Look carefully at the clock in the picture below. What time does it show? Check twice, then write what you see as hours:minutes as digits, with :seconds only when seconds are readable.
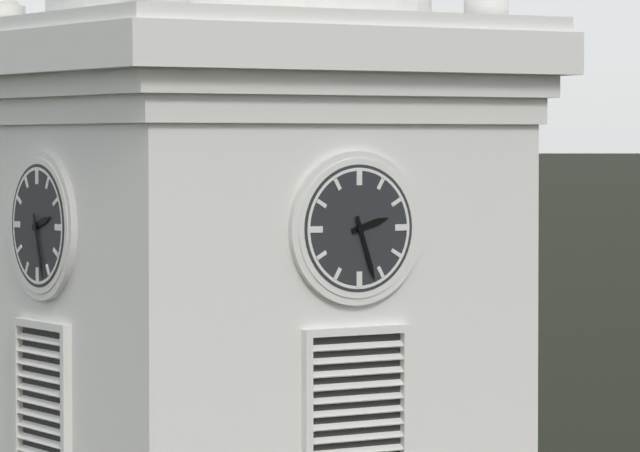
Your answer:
2:27
